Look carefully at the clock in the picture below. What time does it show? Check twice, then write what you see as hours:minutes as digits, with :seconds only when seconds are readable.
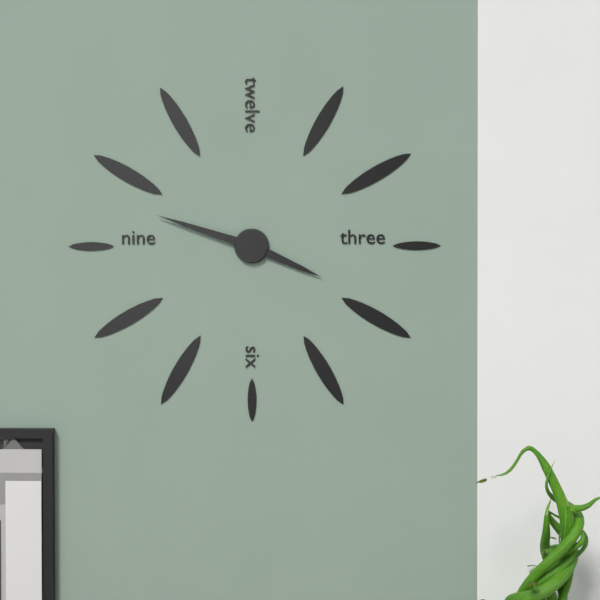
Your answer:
3:48
